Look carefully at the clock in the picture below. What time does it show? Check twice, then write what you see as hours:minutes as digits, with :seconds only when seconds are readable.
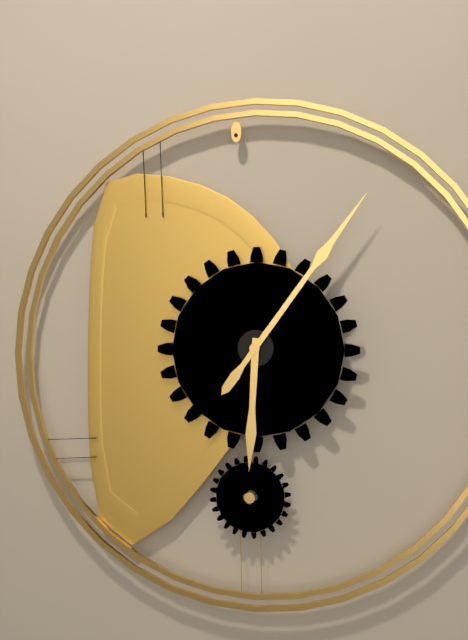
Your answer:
6:06
